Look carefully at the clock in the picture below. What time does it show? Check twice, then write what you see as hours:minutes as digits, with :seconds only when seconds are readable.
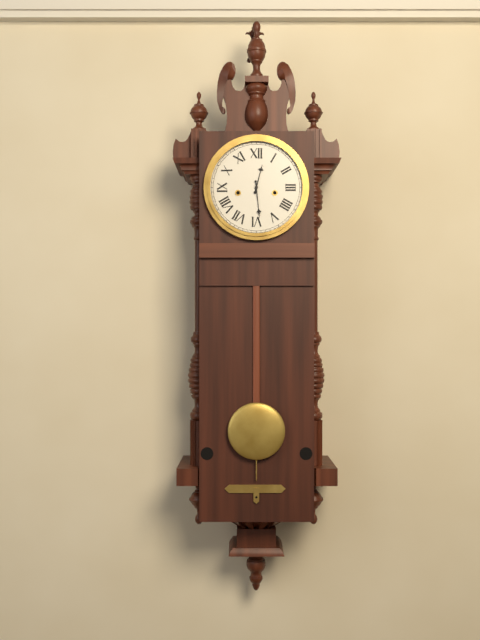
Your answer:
12:29
